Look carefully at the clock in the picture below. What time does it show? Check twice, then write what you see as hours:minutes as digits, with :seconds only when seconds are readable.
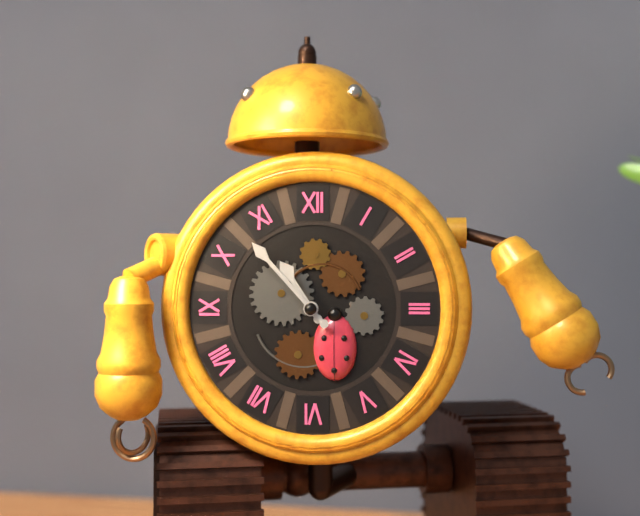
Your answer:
10:53
